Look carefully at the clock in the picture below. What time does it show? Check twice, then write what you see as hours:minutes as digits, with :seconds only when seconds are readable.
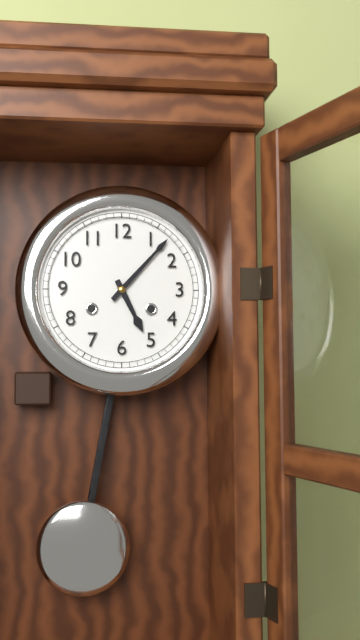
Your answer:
5:07
